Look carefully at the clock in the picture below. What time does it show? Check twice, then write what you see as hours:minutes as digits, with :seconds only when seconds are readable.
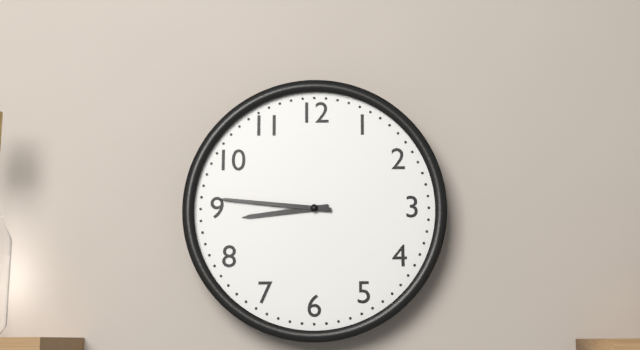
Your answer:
8:46
